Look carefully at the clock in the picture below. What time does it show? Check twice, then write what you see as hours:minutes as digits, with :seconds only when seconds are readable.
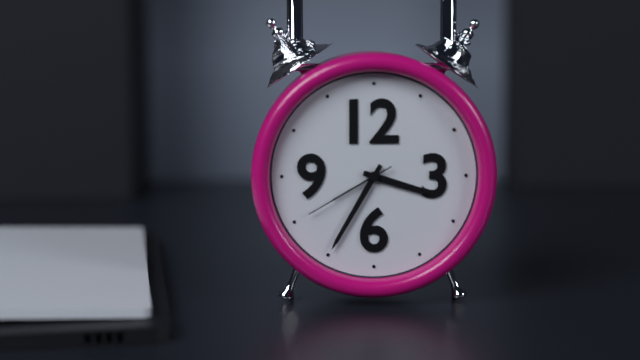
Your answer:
3:35:40
